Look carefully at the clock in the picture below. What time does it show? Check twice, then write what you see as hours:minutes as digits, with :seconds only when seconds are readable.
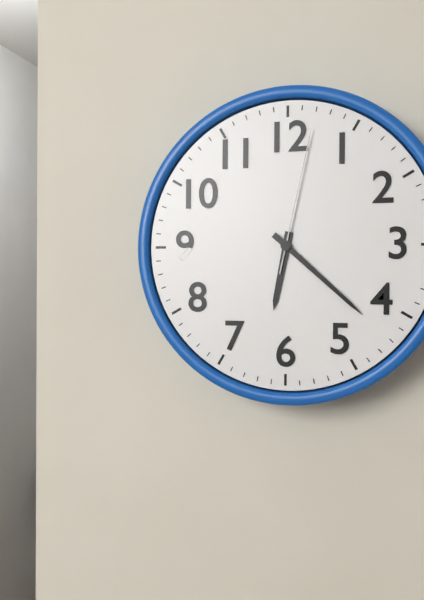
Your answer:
6:22:02
